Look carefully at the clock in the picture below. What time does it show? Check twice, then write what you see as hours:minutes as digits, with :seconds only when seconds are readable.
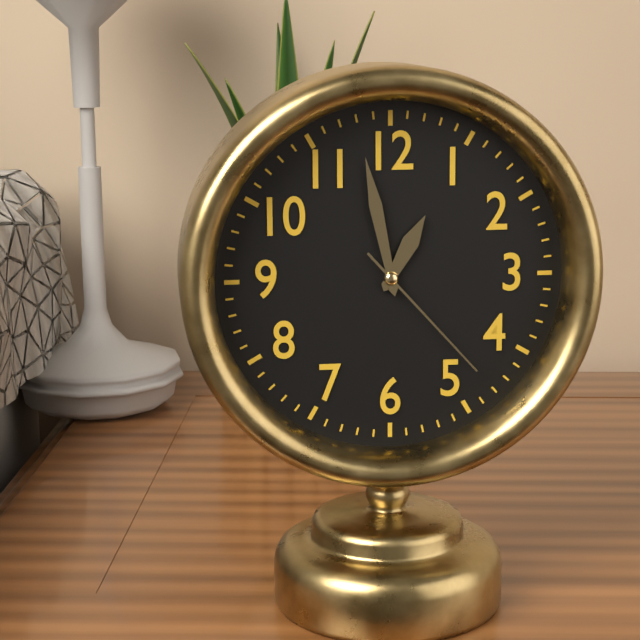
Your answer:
12:58:23
